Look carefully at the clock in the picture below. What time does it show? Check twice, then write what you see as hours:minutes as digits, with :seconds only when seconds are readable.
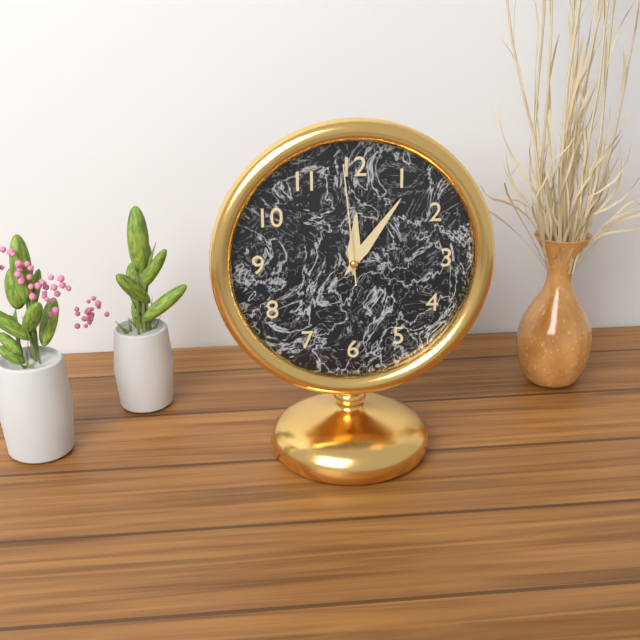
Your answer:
12:06:59
